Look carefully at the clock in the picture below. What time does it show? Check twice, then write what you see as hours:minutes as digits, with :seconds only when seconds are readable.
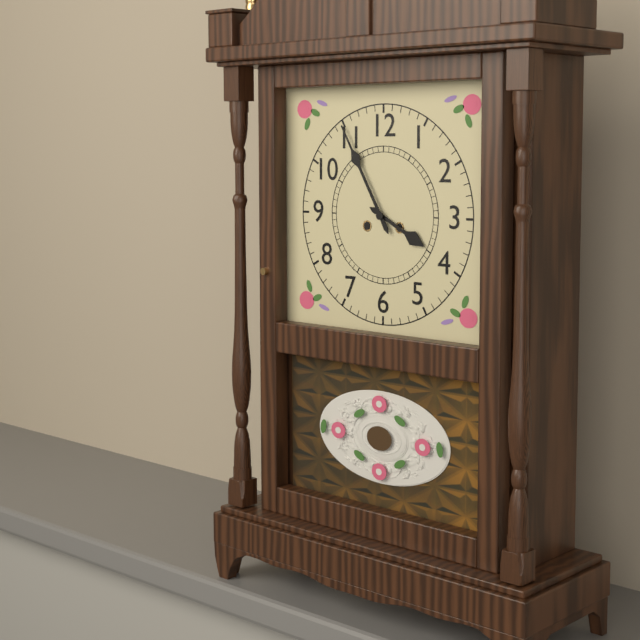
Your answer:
3:55
